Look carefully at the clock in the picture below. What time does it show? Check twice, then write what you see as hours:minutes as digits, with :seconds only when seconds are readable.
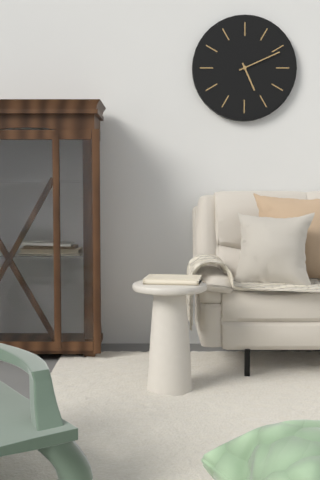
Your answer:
5:11
